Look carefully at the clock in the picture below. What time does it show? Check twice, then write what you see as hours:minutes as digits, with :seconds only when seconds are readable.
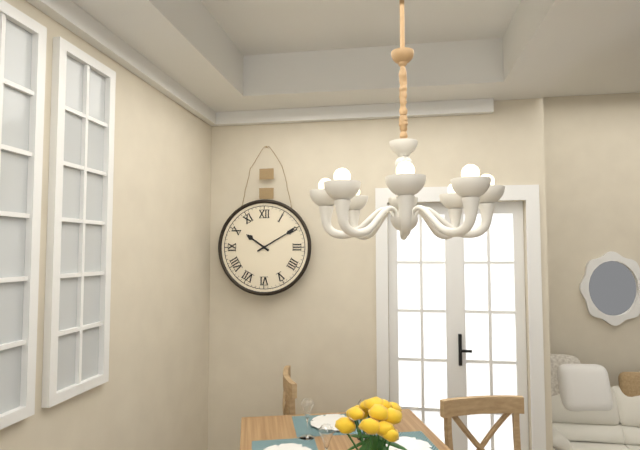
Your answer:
10:10
